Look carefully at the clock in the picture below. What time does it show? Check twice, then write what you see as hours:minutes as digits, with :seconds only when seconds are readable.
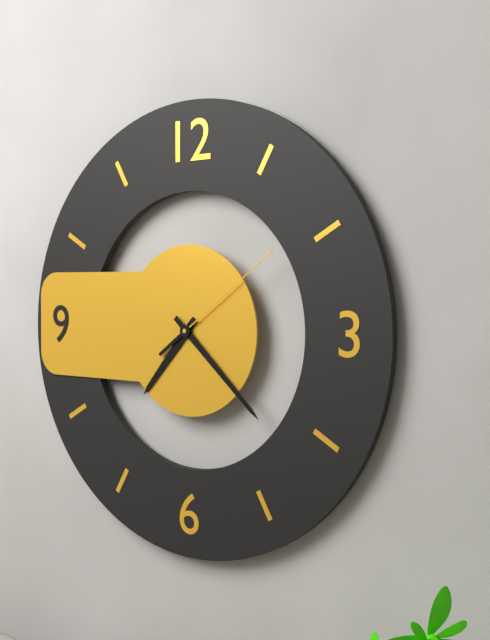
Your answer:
7:22:09
